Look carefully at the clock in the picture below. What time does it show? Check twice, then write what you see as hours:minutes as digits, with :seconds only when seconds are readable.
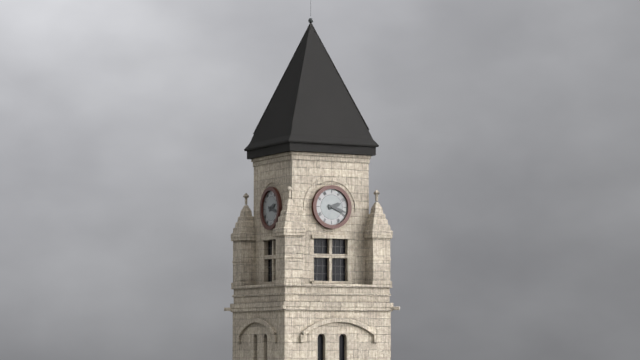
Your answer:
2:18
